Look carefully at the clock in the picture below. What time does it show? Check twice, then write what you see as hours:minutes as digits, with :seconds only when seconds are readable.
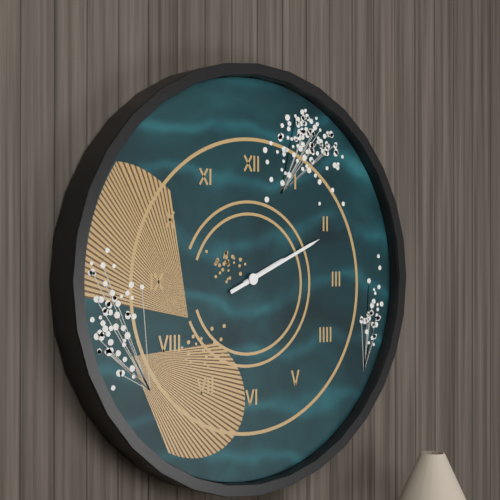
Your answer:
2:11
